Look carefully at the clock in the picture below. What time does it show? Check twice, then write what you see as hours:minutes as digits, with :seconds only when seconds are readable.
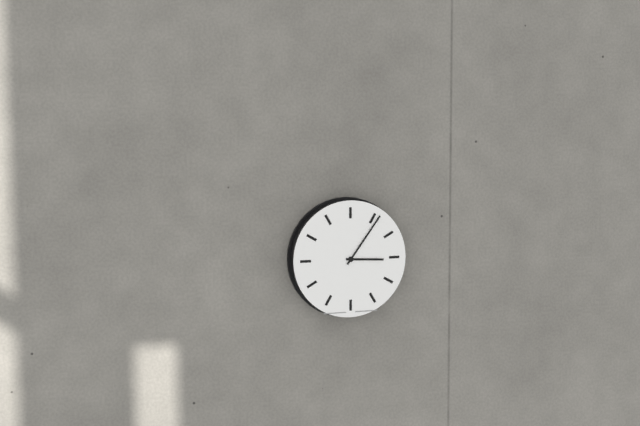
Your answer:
3:06
